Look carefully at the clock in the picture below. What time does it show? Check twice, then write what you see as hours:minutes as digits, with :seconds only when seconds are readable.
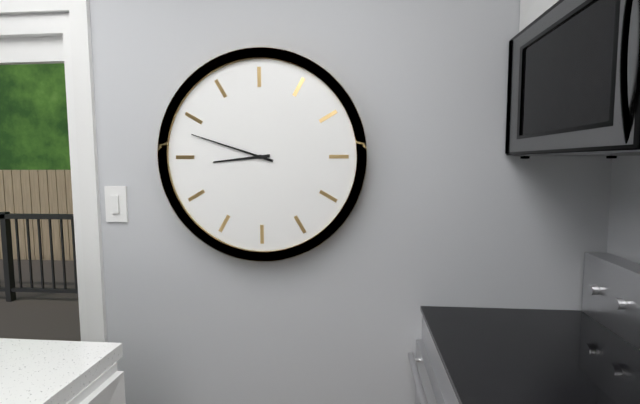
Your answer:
8:48
